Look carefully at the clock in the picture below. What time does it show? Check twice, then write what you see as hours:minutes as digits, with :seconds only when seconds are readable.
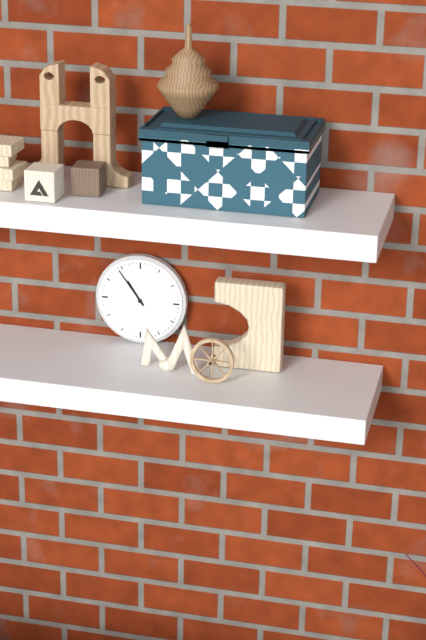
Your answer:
10:54
